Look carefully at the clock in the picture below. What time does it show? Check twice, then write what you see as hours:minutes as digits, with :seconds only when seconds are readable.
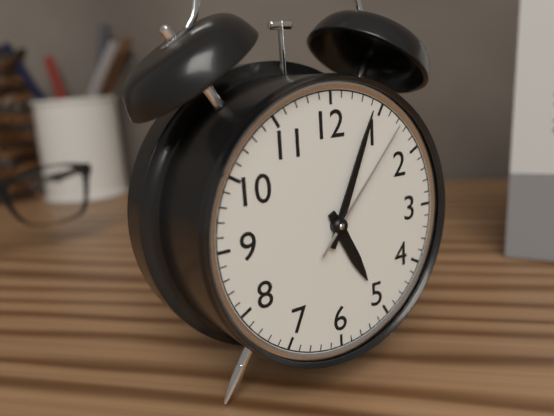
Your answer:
5:04:07
